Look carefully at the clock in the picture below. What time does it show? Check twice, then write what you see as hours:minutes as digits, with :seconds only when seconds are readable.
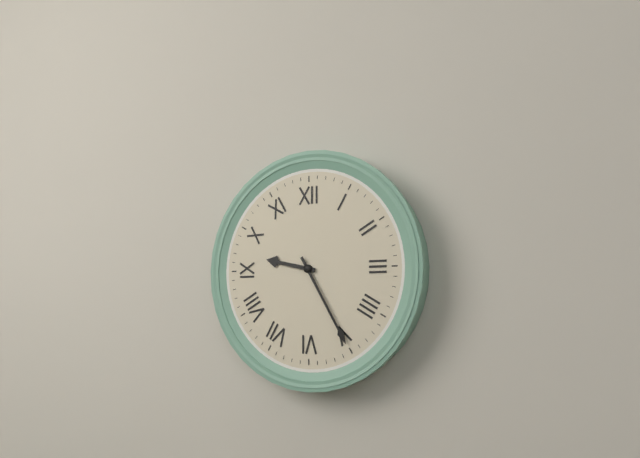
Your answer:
9:25
